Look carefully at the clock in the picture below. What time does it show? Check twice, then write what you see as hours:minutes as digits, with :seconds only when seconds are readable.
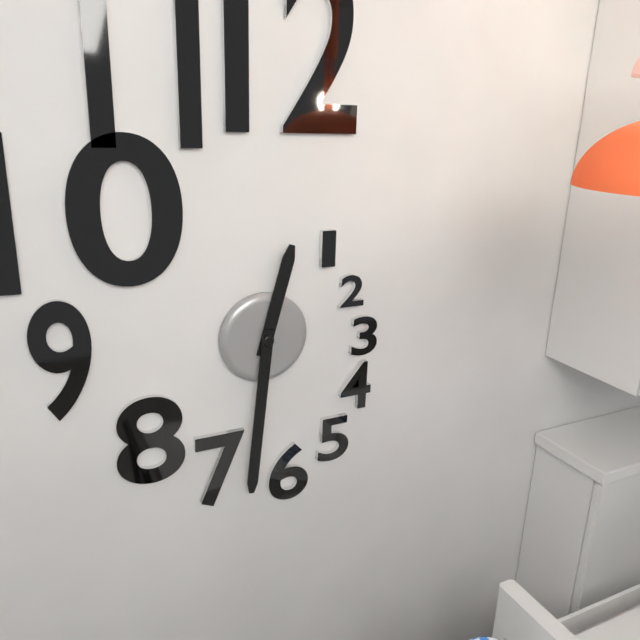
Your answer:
12:31
